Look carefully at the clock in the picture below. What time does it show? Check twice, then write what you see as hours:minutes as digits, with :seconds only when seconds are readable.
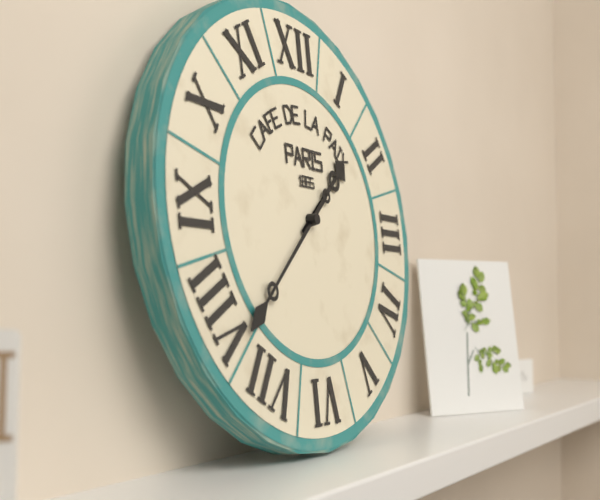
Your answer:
1:38
